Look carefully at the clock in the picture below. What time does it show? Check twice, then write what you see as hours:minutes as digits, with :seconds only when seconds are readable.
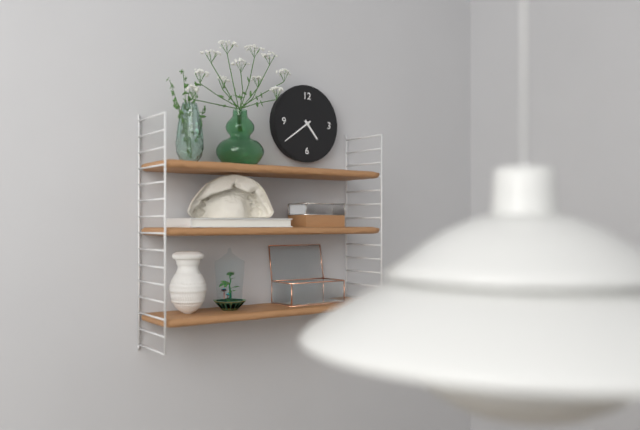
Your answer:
4:39
